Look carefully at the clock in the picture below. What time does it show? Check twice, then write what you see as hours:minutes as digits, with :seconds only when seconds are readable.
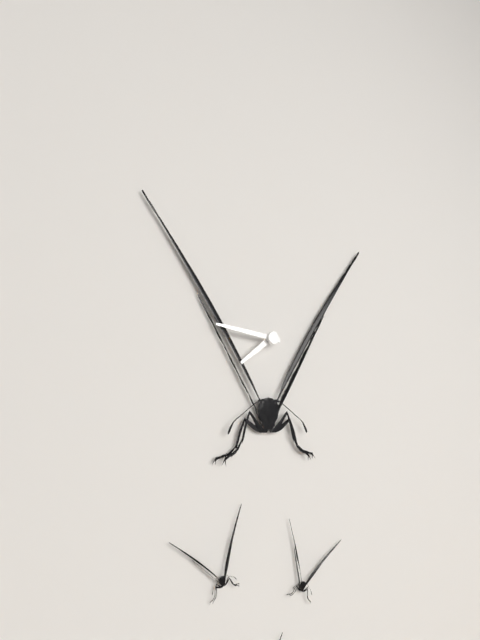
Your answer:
7:46
